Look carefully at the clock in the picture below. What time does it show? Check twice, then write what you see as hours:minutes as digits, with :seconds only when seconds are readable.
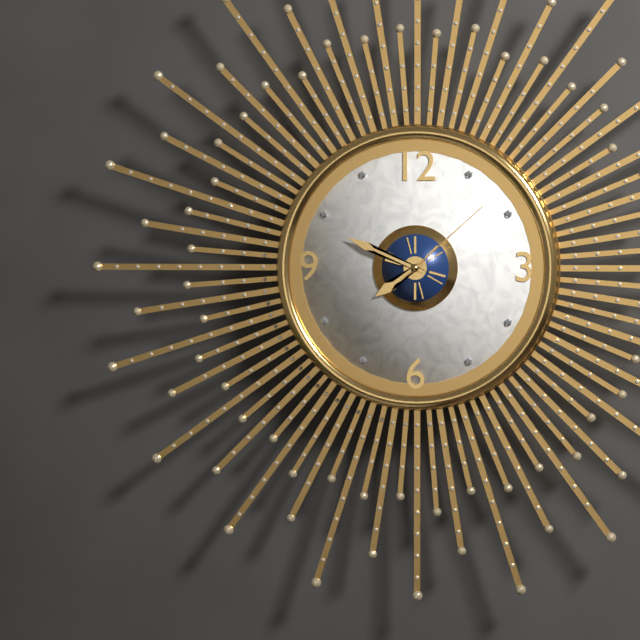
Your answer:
7:49:08
